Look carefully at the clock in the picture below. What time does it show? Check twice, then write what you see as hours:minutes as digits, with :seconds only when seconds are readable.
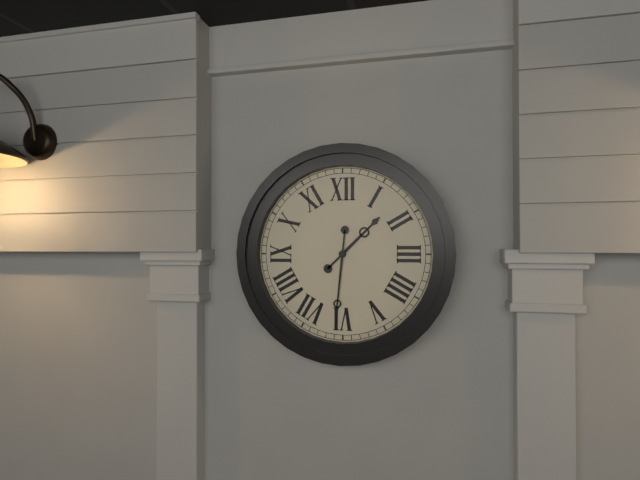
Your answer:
1:31
